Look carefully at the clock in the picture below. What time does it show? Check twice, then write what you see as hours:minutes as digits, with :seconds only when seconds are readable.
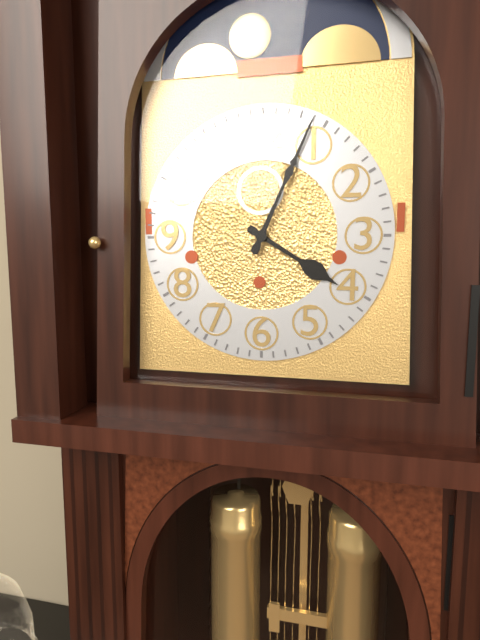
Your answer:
4:04
